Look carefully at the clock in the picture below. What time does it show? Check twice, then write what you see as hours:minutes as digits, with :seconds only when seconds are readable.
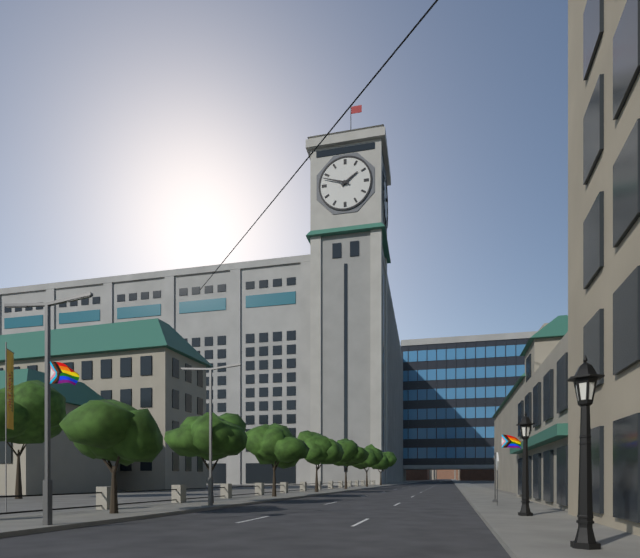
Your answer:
1:48
